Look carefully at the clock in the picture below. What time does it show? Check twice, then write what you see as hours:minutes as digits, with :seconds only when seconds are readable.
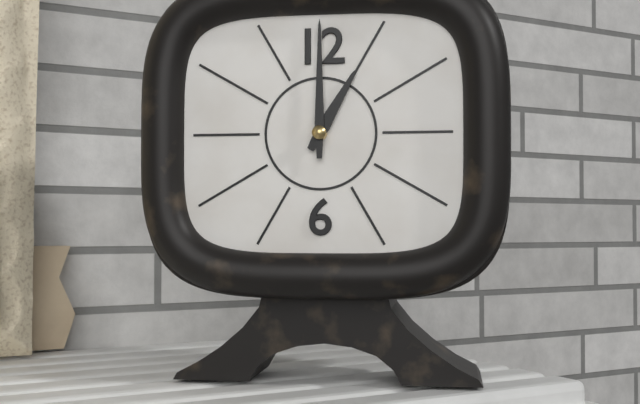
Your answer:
1:00
